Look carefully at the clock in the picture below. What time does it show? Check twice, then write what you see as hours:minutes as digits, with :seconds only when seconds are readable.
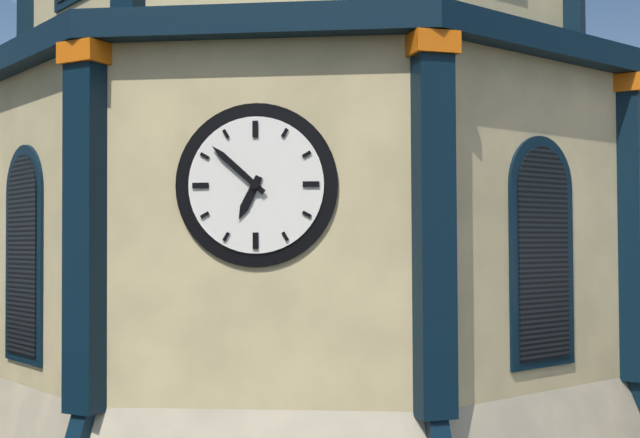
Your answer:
6:52
